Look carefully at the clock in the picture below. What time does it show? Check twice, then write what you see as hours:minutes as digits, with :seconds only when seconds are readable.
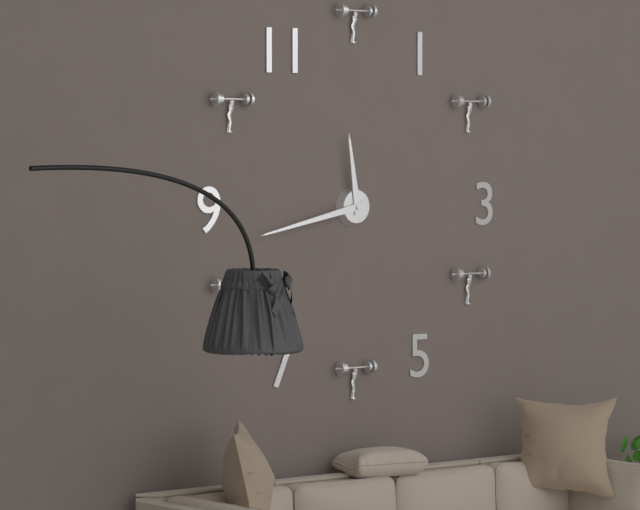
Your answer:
11:43
